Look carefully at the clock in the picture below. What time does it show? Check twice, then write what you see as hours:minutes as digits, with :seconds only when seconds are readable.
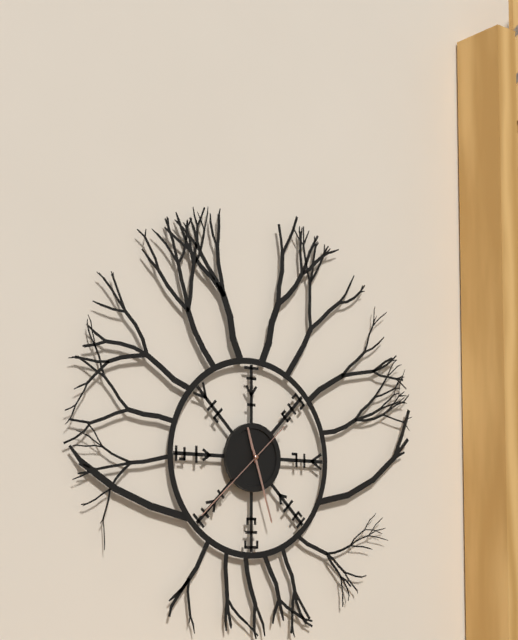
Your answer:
11:27:38
